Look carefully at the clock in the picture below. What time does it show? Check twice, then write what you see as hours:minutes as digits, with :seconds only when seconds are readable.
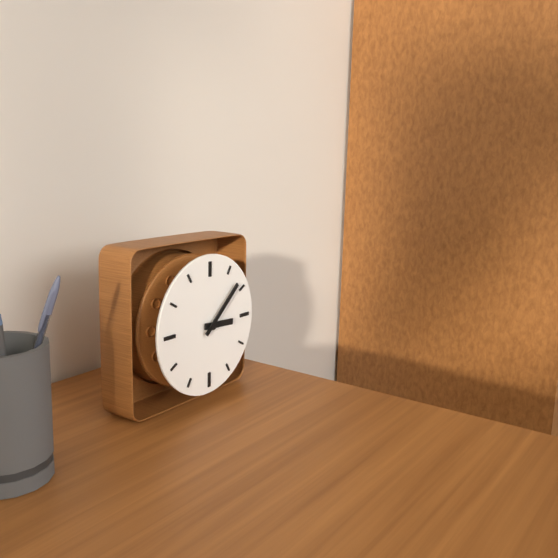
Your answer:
3:08
